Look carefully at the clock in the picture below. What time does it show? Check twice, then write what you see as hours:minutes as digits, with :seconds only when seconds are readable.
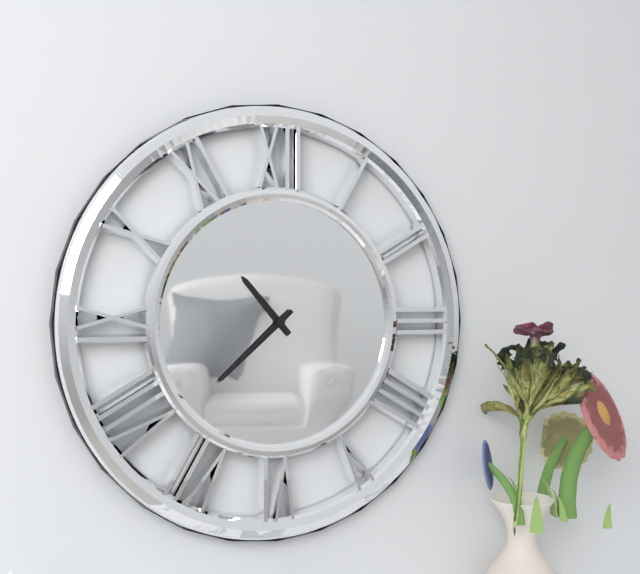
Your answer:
10:38
